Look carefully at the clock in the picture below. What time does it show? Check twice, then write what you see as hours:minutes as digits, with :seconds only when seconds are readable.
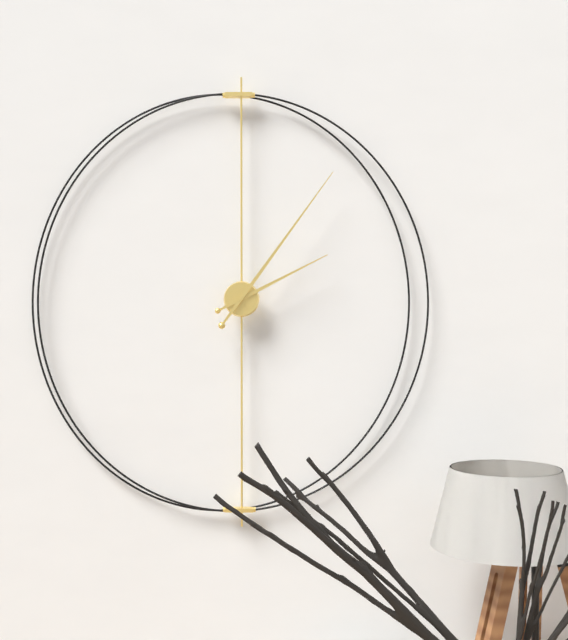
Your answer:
2:06
